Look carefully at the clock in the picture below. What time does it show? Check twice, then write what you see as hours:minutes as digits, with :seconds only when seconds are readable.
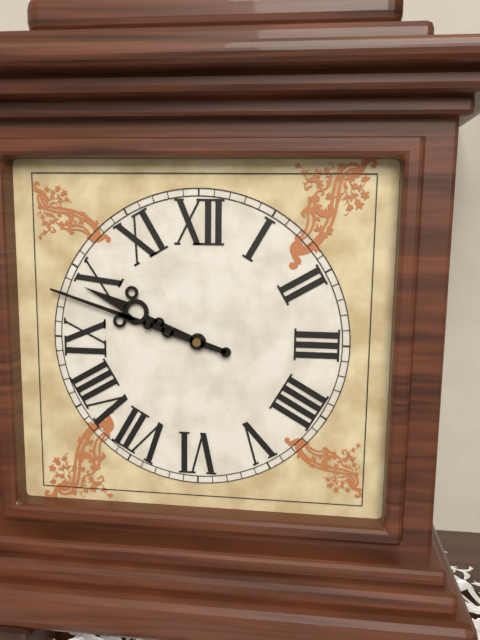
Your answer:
9:48
